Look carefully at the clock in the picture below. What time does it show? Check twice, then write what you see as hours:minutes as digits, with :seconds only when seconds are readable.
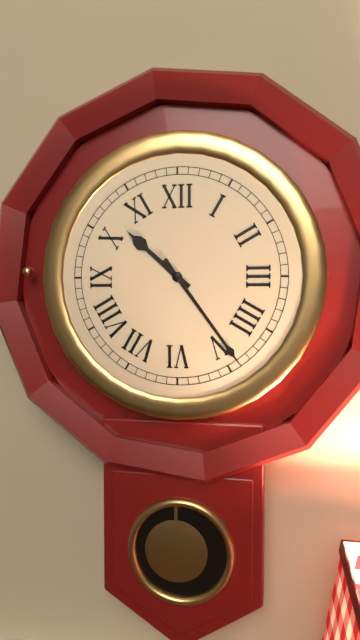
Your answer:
10:24
